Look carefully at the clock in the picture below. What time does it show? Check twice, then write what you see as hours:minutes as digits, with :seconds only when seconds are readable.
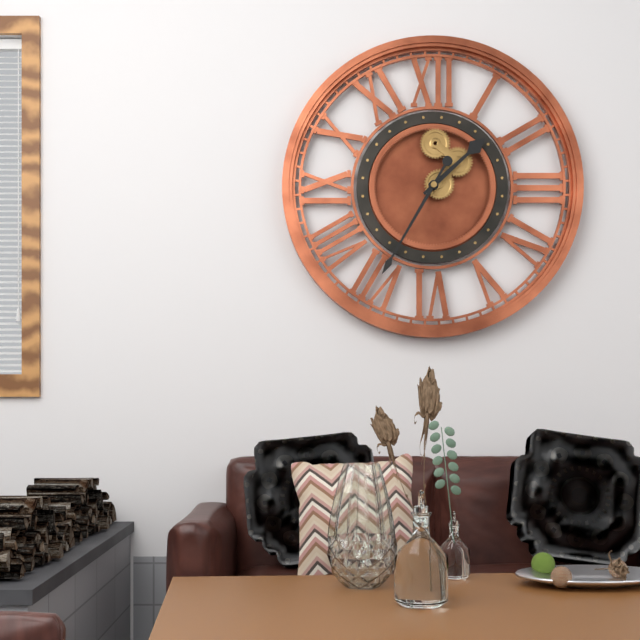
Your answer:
1:35
